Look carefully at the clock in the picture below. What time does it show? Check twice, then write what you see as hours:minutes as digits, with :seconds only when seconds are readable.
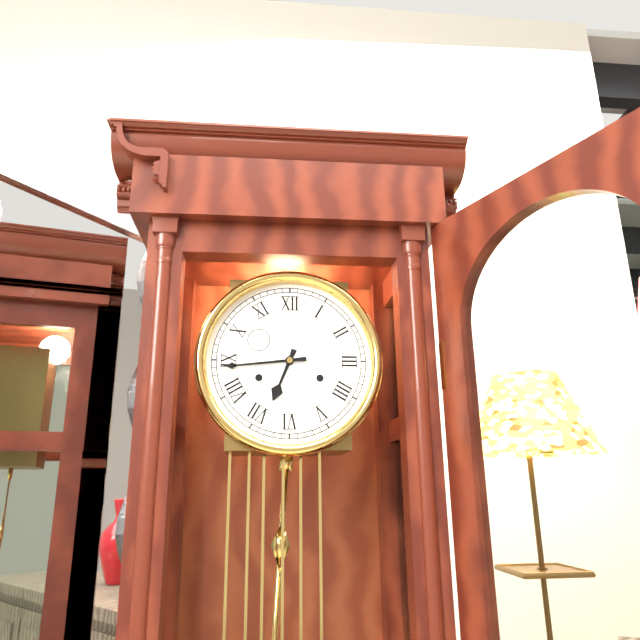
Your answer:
6:44
